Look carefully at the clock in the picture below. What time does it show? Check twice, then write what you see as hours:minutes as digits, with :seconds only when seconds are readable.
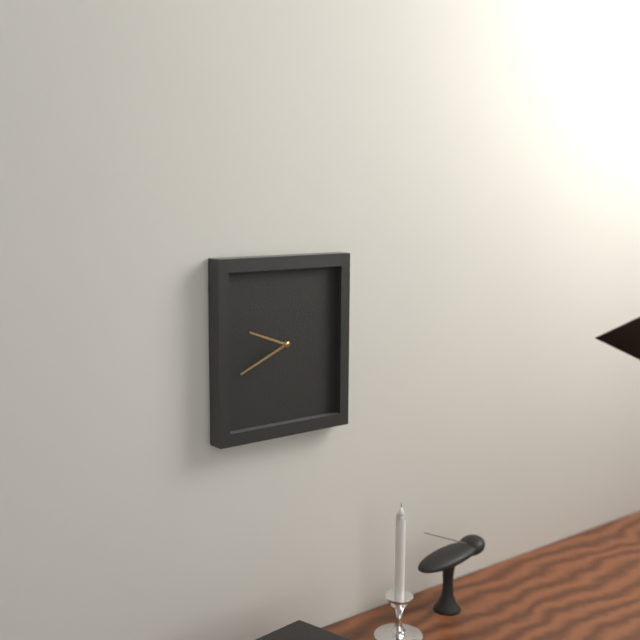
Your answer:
9:41
